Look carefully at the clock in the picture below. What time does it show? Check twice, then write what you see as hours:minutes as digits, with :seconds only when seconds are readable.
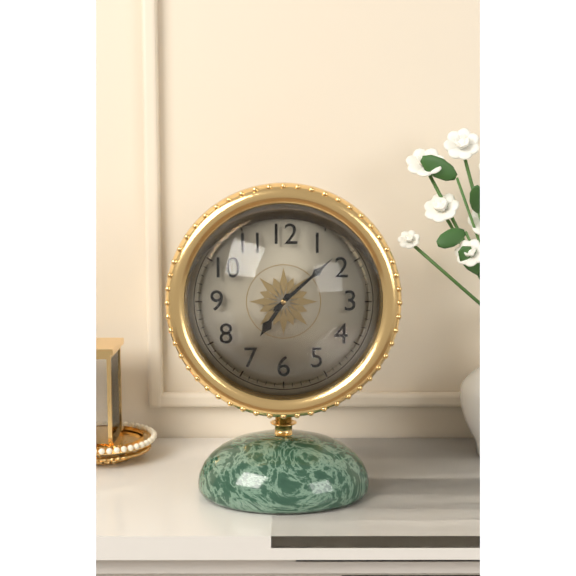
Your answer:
7:08
